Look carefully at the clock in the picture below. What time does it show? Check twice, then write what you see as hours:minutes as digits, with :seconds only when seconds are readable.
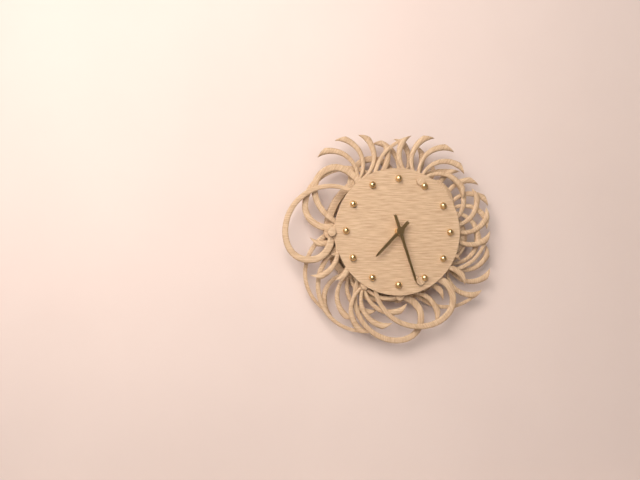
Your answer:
7:27
